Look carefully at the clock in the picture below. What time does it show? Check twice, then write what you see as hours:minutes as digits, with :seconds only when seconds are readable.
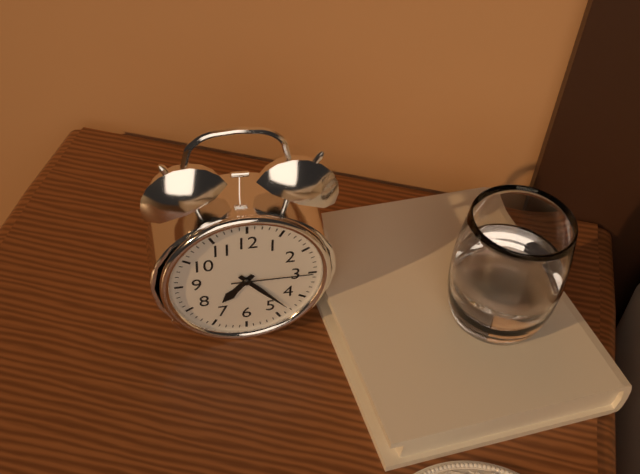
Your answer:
7:23:15
